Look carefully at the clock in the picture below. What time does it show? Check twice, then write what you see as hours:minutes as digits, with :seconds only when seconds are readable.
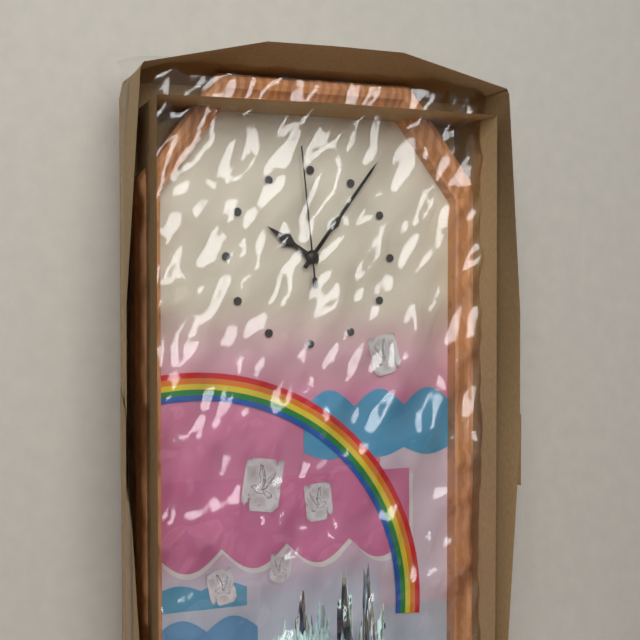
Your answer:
10:06:59
